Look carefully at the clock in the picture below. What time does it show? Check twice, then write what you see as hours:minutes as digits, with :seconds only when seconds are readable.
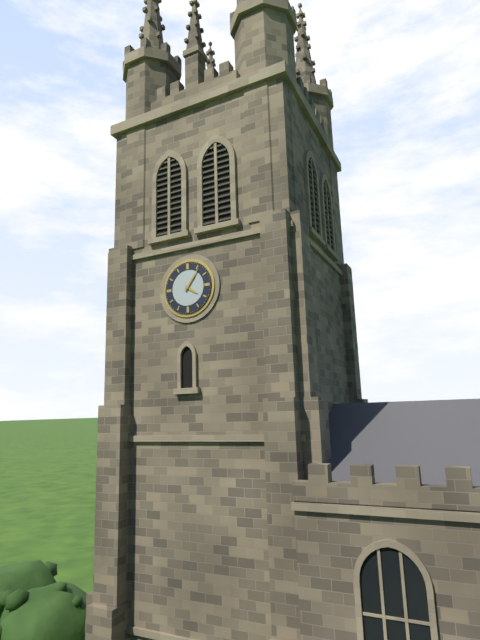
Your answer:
4:06
